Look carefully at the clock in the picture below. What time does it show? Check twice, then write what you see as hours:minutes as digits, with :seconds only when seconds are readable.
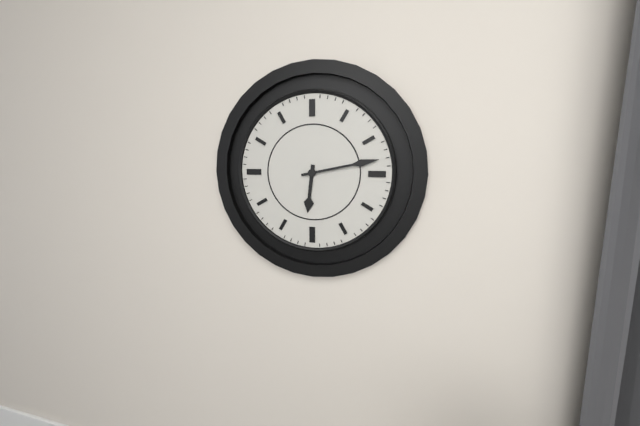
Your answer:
6:13
